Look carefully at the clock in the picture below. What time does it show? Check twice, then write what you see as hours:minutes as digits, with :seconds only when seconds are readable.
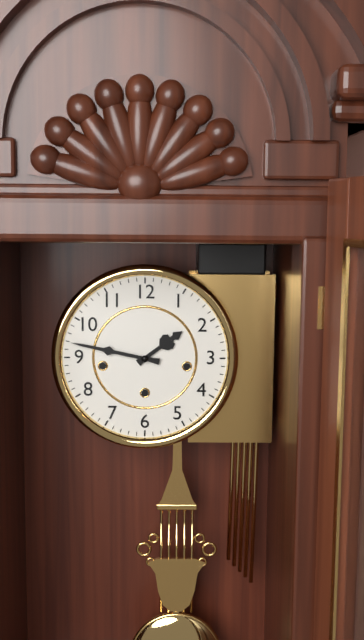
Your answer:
1:47
